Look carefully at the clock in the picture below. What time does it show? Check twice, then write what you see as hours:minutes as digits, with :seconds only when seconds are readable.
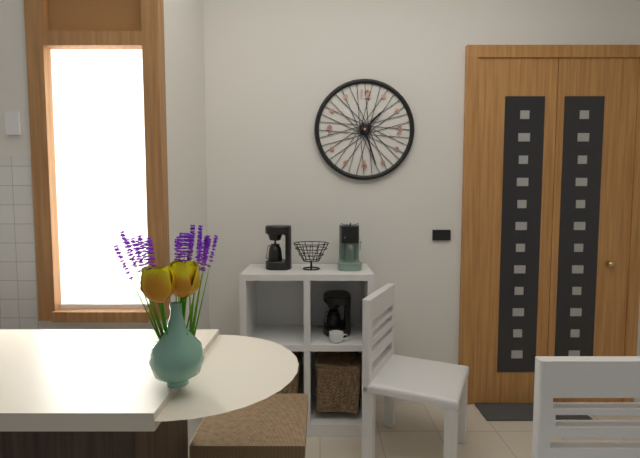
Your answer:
1:27
